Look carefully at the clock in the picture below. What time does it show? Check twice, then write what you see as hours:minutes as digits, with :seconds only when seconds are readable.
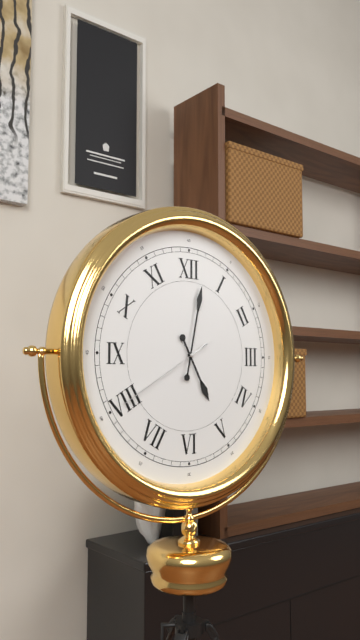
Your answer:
5:02:40
